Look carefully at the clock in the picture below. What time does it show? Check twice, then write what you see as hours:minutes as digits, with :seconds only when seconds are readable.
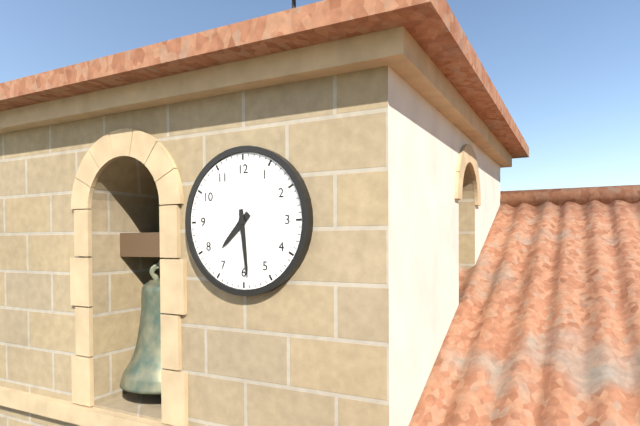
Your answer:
7:29
